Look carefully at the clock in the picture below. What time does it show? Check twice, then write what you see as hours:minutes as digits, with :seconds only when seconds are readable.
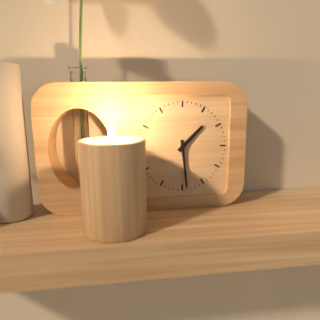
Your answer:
1:29
